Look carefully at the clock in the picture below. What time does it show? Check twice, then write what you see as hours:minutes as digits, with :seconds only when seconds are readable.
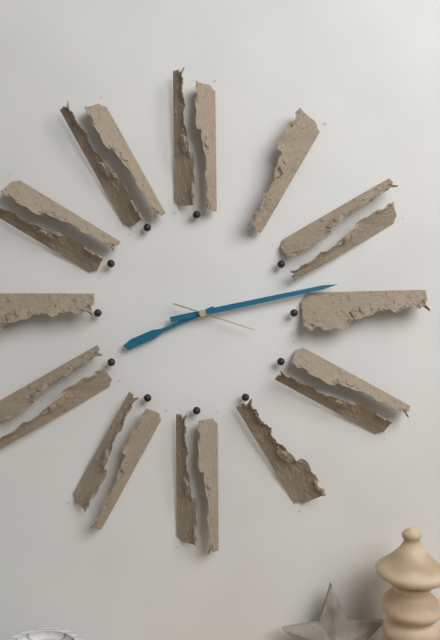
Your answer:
8:13:18
